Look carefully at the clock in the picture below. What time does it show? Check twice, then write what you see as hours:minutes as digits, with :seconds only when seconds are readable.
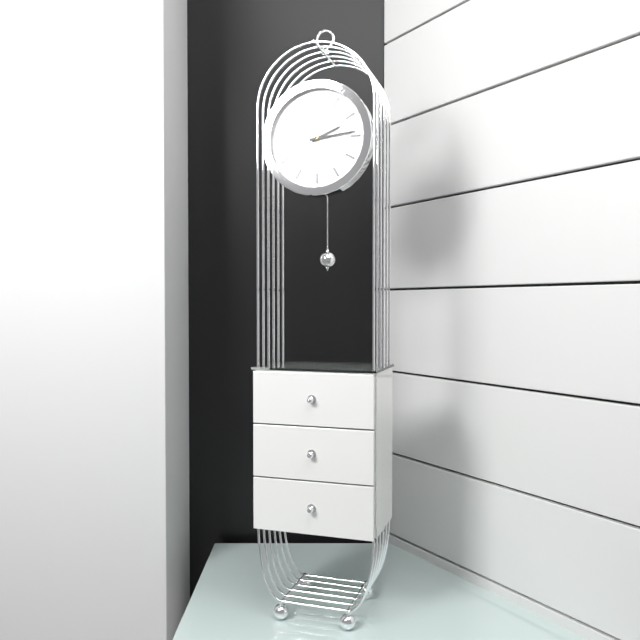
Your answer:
2:14
